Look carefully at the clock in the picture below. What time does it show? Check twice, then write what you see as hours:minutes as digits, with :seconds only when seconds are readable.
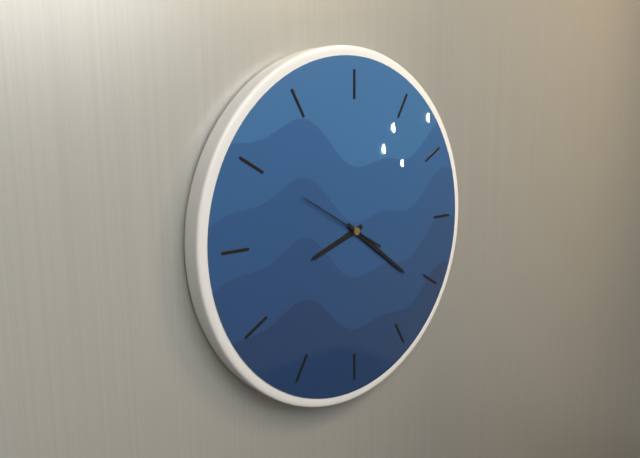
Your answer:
8:21:50
